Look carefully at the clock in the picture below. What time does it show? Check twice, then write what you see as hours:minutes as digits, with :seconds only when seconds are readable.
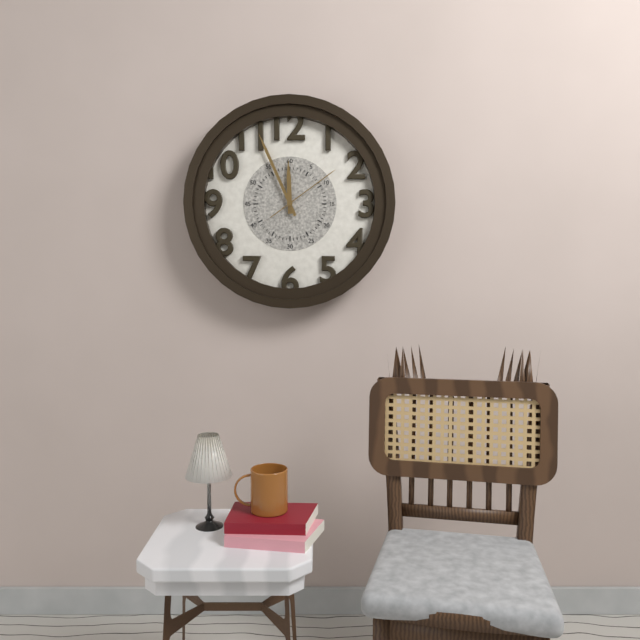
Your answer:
11:56:09
